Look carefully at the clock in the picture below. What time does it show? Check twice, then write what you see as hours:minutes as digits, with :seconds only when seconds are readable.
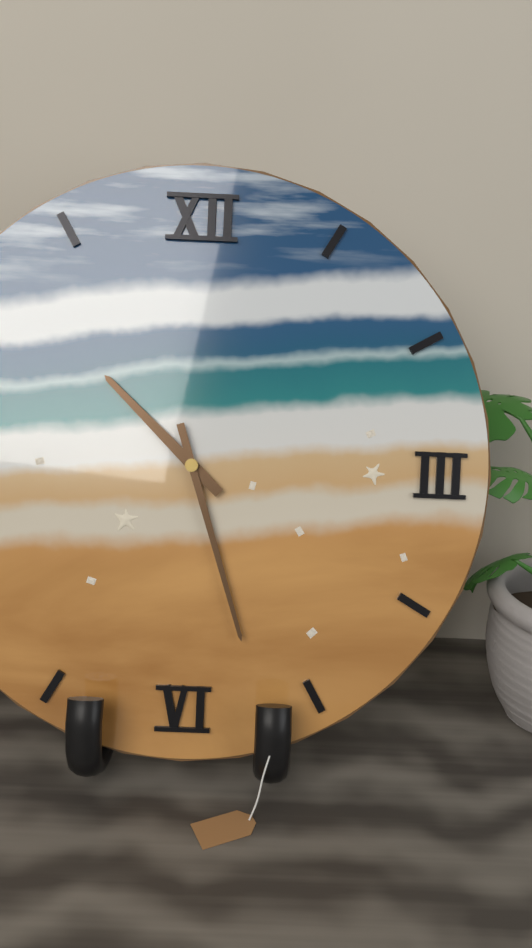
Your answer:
10:27
